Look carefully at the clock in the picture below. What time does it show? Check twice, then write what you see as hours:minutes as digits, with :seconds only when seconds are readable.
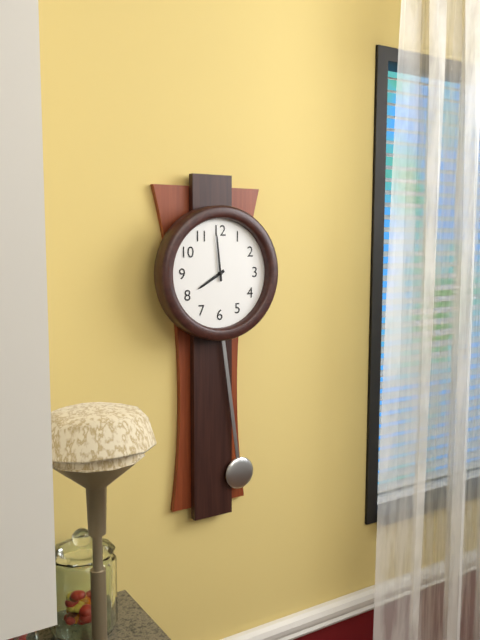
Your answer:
7:59
